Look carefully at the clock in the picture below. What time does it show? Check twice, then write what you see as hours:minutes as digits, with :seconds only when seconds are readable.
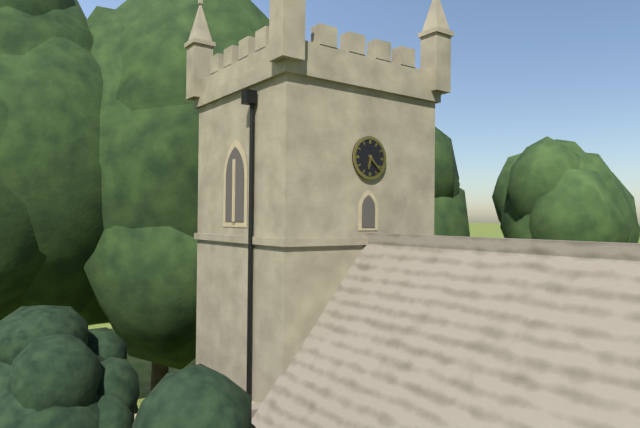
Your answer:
6:22
